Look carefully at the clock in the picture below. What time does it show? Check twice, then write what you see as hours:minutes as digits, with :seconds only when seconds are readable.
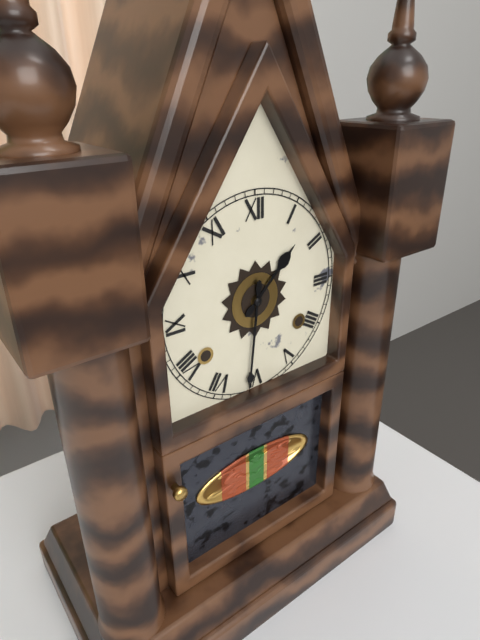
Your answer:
1:31
